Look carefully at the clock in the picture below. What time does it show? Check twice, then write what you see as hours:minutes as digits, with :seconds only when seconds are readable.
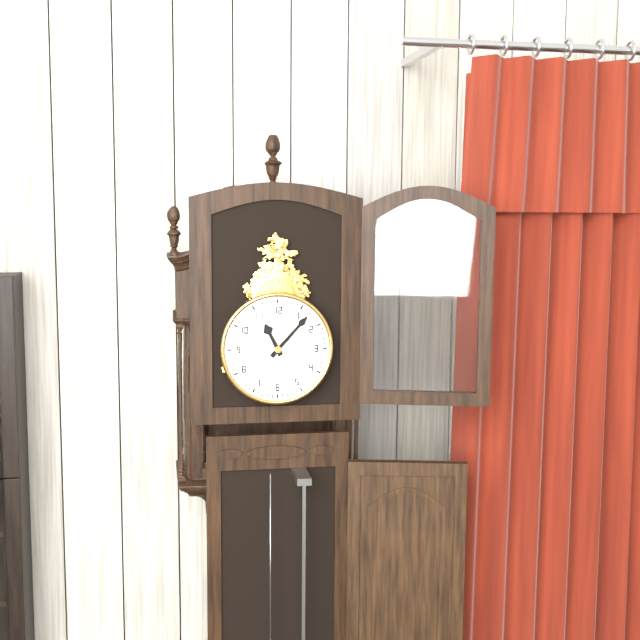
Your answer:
11:07
